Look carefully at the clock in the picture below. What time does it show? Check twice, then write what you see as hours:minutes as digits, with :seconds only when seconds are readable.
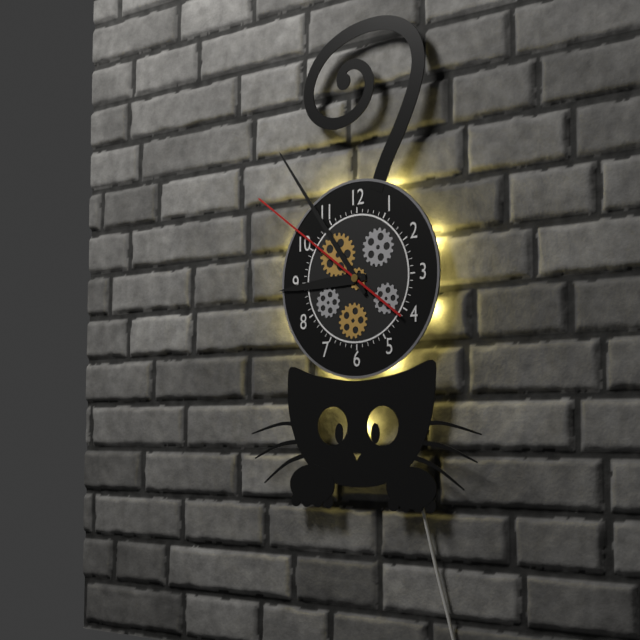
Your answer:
8:54:51
